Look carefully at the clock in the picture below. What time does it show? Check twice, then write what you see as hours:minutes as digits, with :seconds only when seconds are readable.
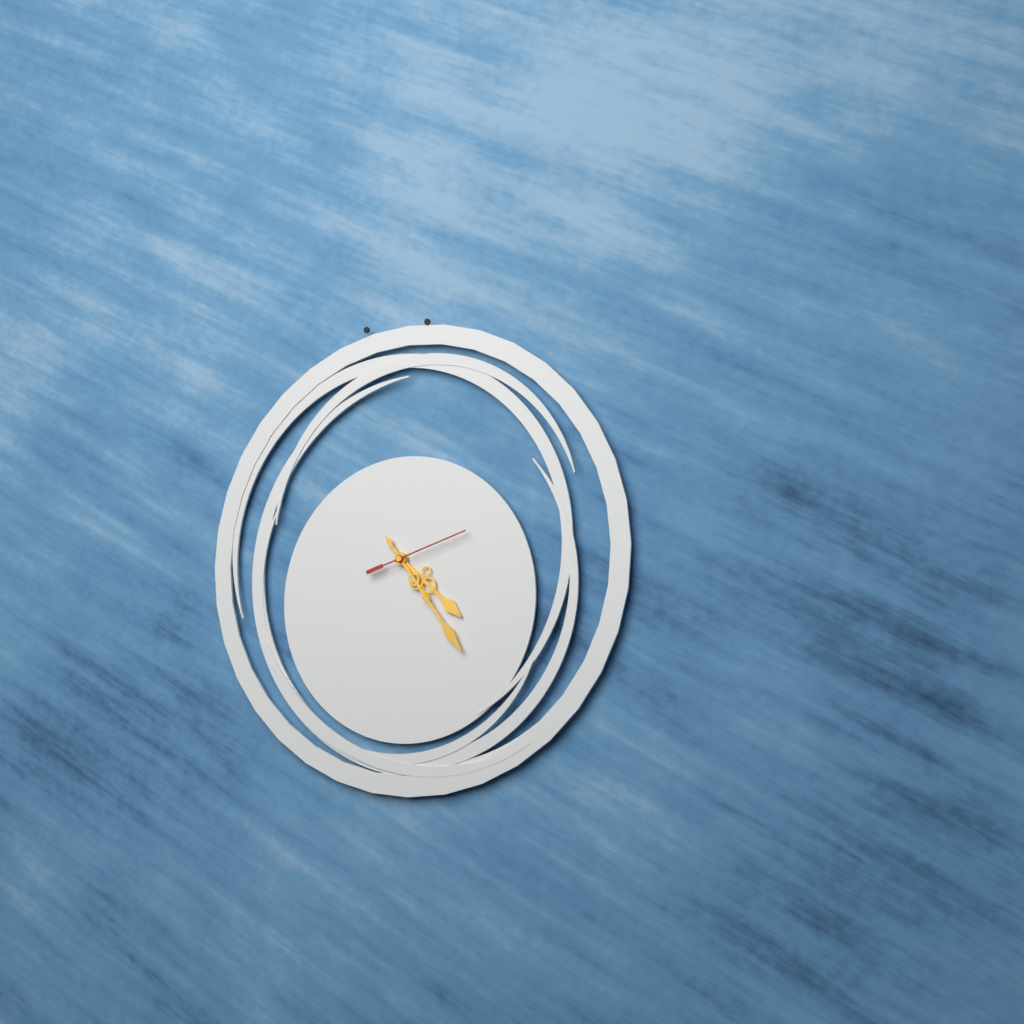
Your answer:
4:24:12
